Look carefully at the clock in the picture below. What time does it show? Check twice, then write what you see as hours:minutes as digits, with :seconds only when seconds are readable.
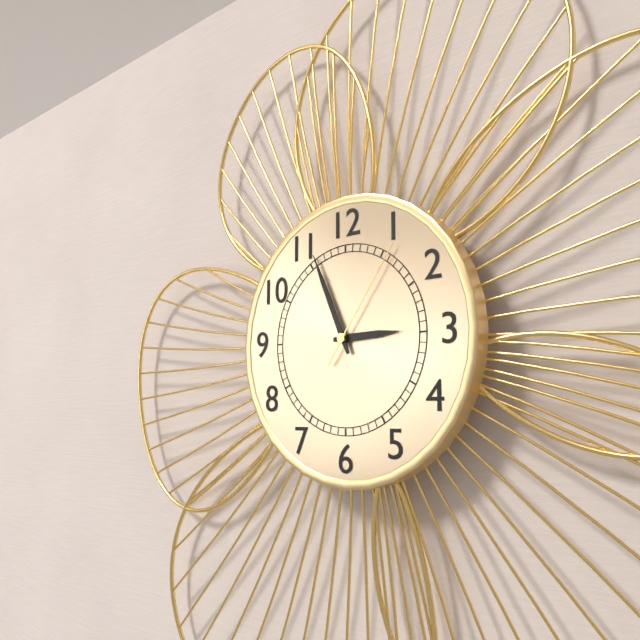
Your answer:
2:56:06
